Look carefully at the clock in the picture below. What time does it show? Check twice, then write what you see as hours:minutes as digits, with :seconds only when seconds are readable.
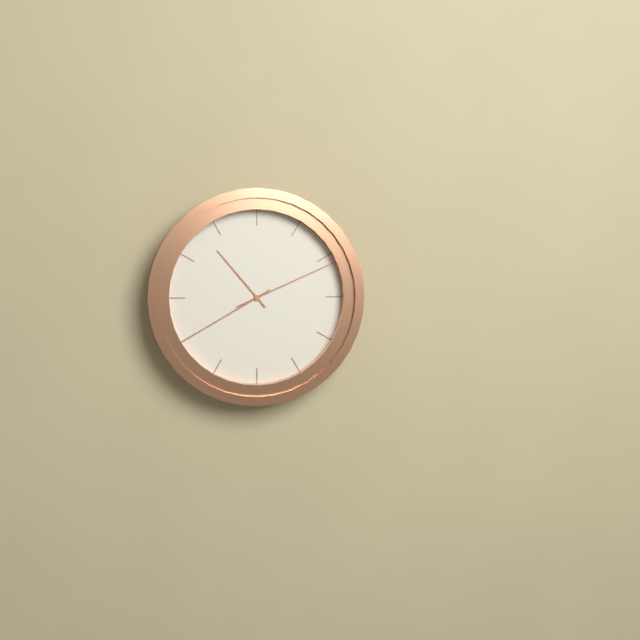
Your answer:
10:40:11
